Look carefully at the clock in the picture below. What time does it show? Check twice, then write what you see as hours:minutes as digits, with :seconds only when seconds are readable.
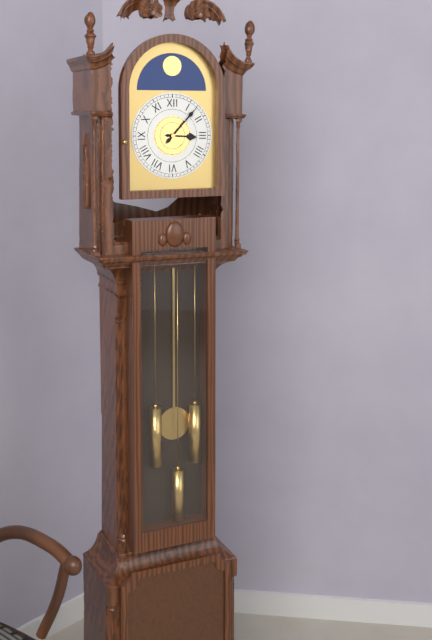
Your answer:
3:07
